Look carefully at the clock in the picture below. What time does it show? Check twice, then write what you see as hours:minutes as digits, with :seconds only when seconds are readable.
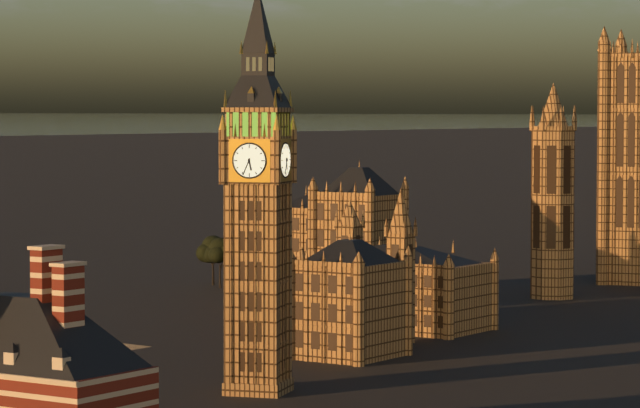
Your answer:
5:34
